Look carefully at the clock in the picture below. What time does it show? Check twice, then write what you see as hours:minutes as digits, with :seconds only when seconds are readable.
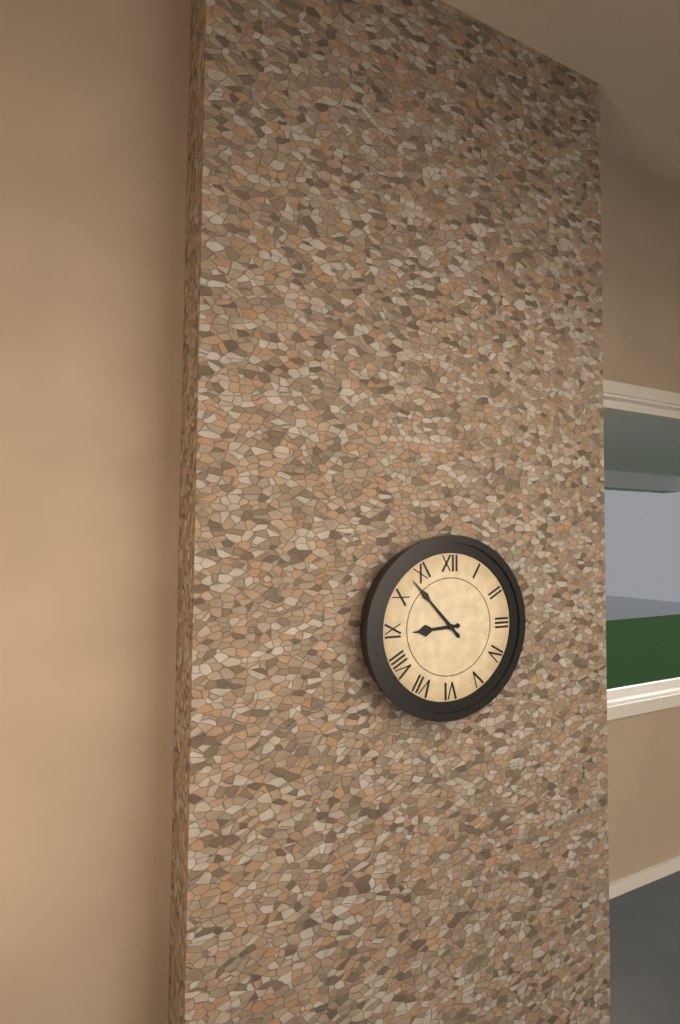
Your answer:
8:53
